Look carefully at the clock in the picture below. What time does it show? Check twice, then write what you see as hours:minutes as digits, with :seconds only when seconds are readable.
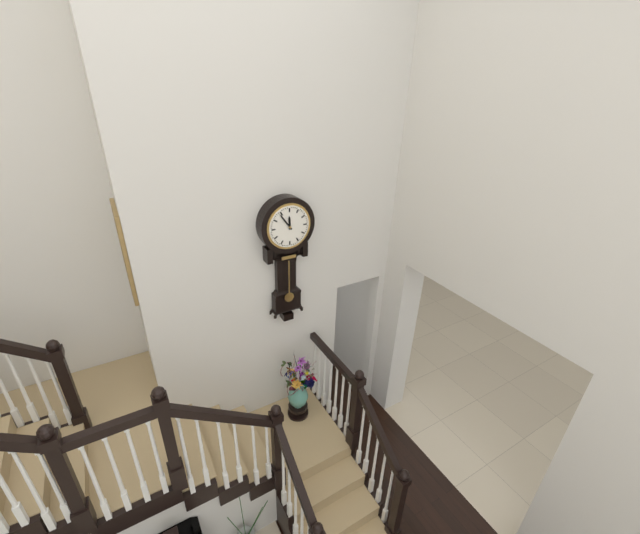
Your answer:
11:54
